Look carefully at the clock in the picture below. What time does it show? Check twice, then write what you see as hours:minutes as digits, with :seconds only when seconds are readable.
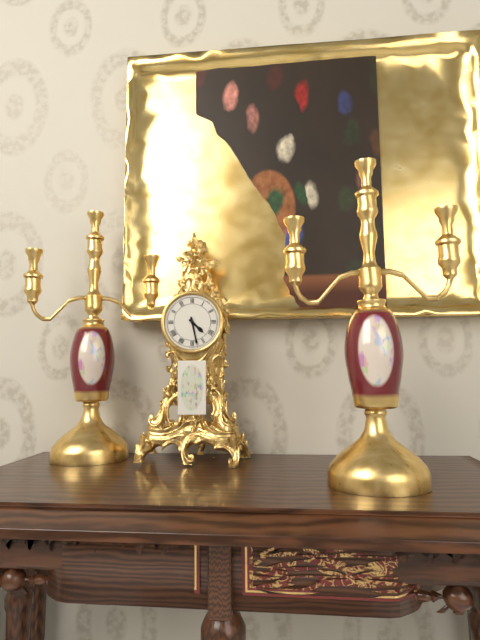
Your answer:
4:28
